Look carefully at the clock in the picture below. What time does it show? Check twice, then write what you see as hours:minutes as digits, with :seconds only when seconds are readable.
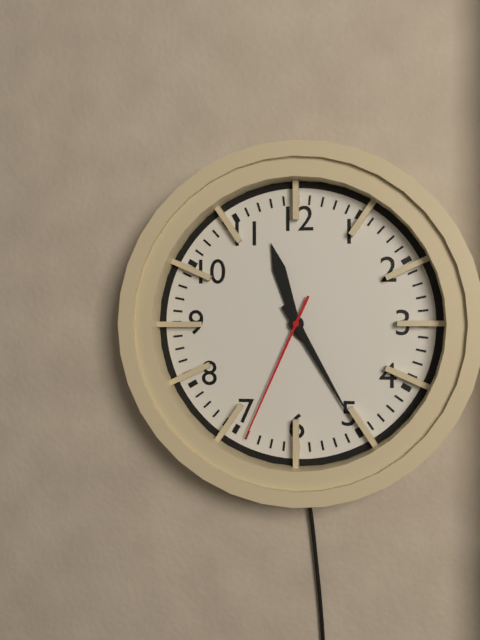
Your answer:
11:25:34
